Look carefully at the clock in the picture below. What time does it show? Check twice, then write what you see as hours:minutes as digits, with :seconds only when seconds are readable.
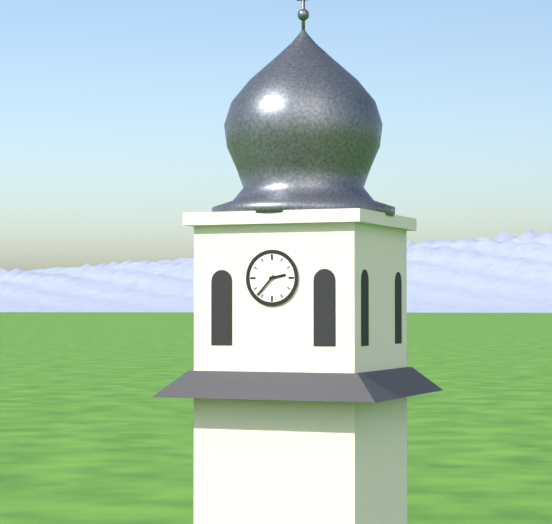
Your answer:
2:37
